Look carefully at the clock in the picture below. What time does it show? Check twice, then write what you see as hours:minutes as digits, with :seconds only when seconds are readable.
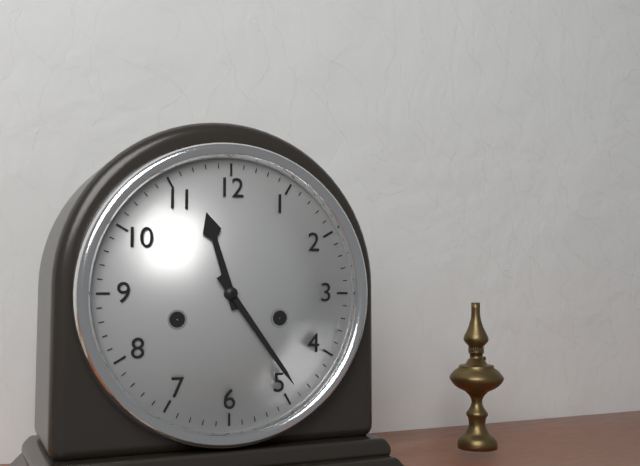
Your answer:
11:24
